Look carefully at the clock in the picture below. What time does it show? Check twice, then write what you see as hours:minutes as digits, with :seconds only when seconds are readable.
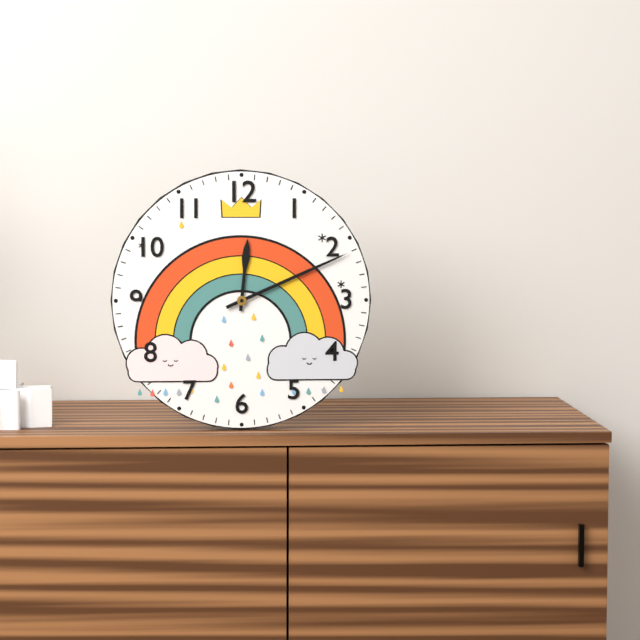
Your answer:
12:11
